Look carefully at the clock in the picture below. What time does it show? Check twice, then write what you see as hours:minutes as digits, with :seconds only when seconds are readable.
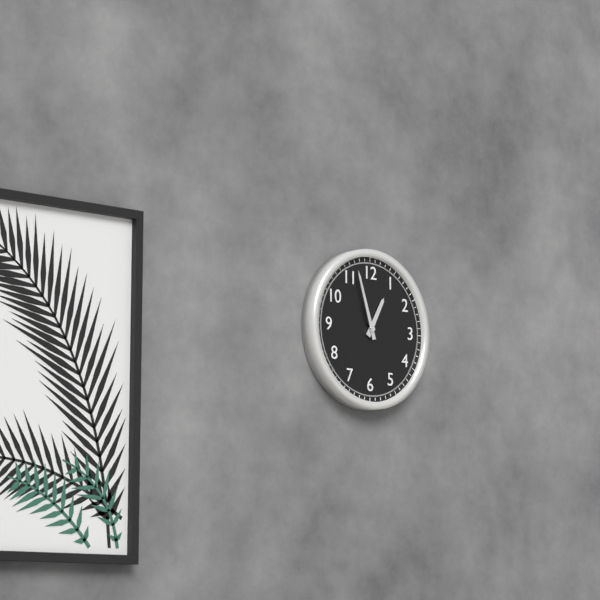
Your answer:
12:57
